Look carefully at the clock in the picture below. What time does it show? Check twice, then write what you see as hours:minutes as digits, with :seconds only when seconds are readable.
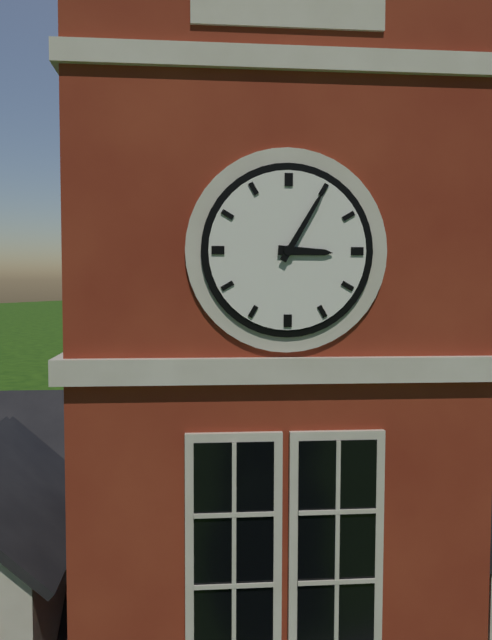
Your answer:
3:05
